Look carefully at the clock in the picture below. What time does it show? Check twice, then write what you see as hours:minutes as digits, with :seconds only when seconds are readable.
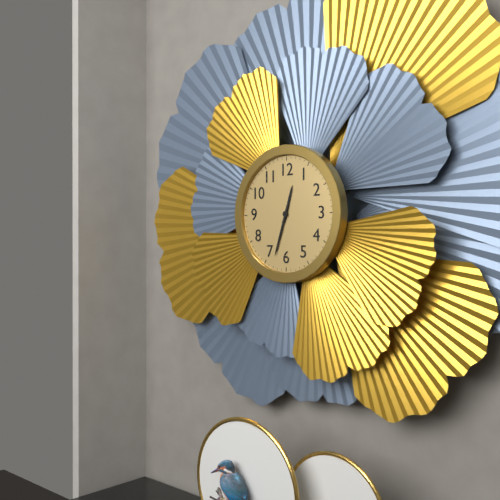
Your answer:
12:33
